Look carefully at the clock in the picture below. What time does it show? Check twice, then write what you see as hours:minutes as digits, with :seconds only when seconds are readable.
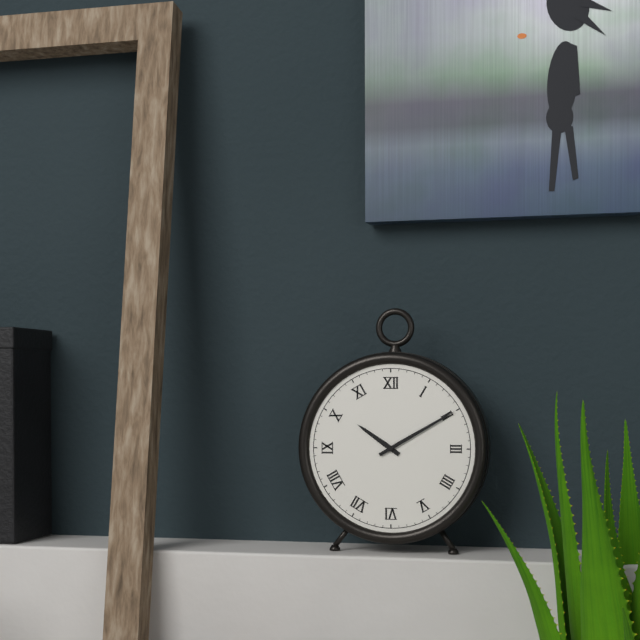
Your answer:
10:10
